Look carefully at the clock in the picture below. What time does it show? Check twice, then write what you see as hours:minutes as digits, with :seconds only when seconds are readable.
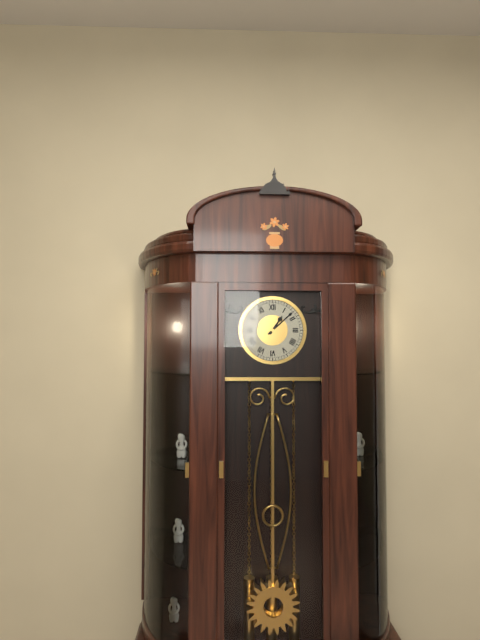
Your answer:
1:08
